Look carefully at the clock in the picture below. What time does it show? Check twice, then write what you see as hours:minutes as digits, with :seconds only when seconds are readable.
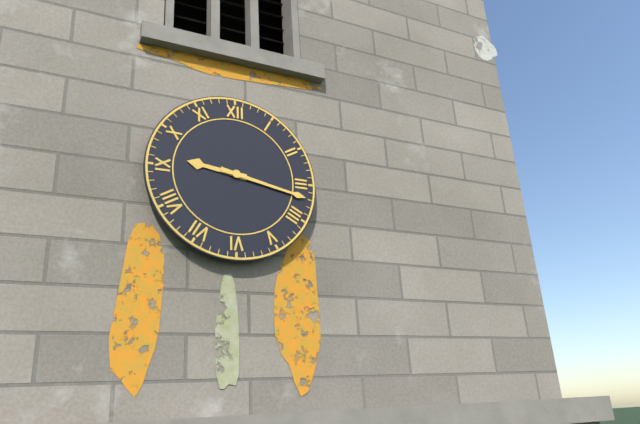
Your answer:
9:17
